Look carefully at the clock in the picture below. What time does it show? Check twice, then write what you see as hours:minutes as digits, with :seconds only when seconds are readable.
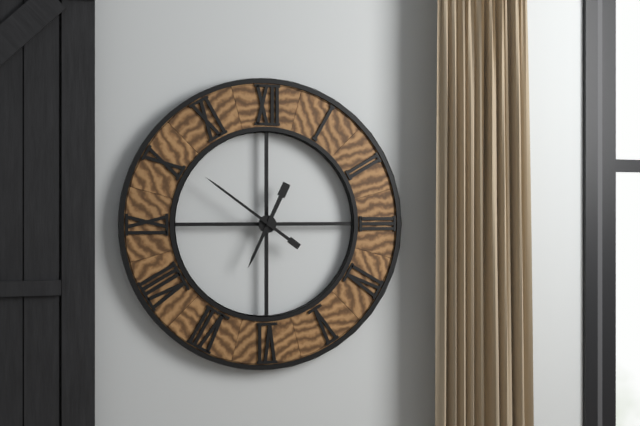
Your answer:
6:51
